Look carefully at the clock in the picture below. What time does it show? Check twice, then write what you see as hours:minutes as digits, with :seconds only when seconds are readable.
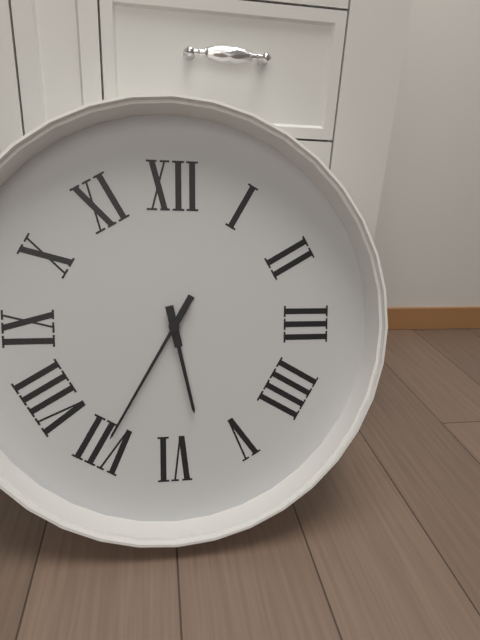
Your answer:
5:35
